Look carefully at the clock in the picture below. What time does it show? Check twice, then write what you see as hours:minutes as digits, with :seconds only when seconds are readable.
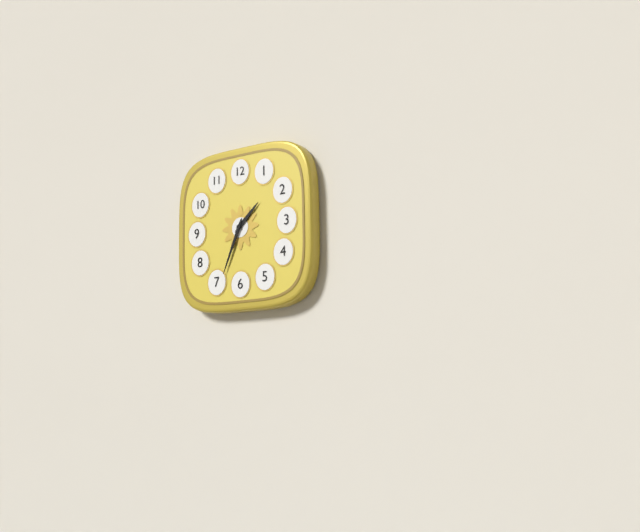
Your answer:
1:34
